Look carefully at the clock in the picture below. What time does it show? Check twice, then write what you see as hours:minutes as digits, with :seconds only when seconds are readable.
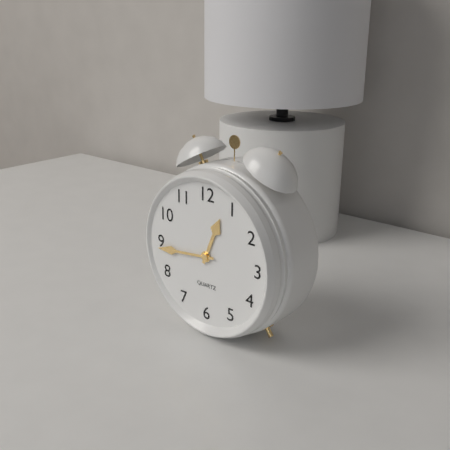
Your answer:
12:44
